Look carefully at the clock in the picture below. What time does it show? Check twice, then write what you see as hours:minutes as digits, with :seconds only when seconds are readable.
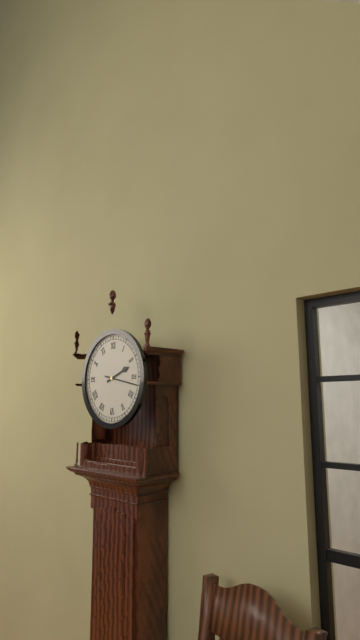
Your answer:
2:17
